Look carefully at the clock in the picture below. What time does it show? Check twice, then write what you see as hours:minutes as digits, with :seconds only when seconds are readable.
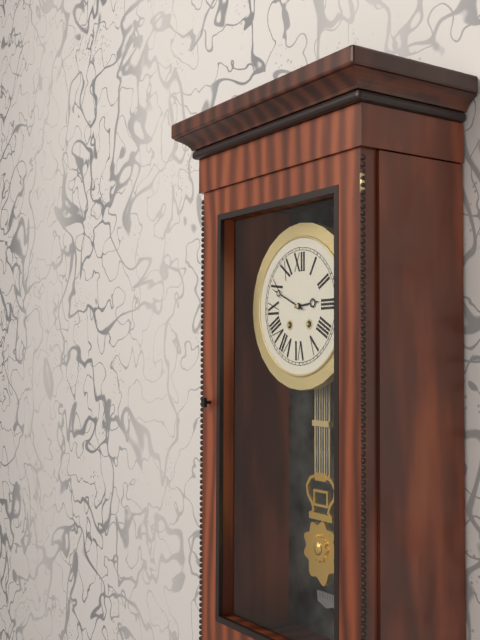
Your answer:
2:49
